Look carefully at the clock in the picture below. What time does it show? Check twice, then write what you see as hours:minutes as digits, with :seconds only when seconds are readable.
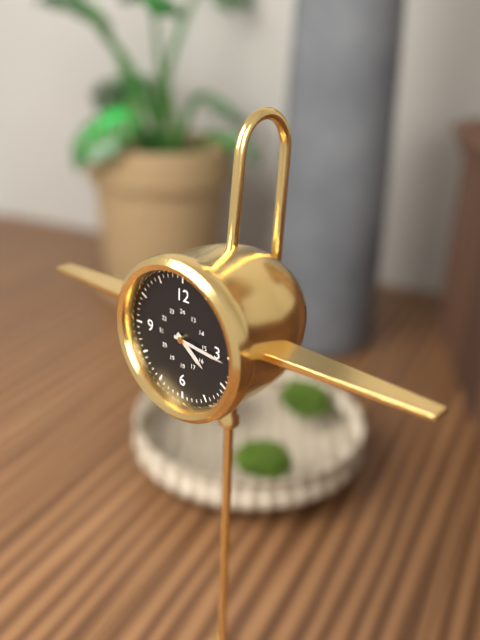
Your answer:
4:16
